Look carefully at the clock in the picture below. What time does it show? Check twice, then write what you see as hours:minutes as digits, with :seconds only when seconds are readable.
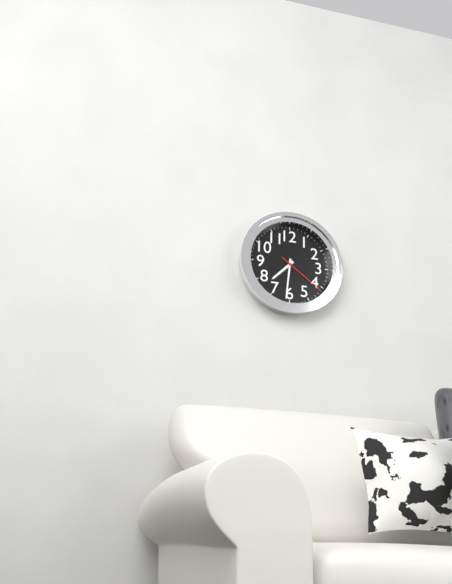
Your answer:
7:31
